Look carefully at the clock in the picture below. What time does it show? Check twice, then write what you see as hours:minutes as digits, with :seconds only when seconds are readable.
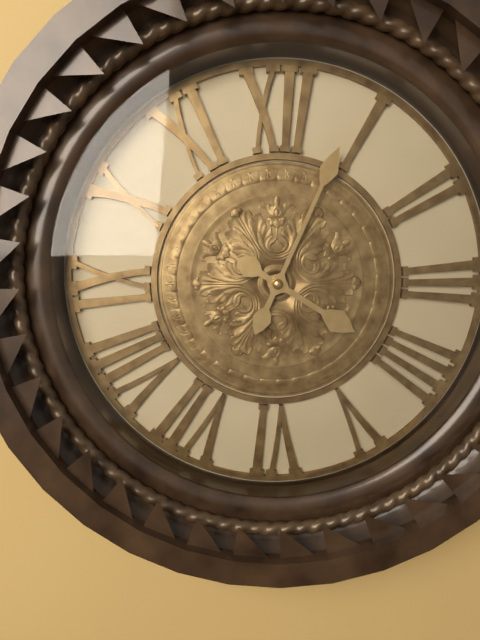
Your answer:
4:04
